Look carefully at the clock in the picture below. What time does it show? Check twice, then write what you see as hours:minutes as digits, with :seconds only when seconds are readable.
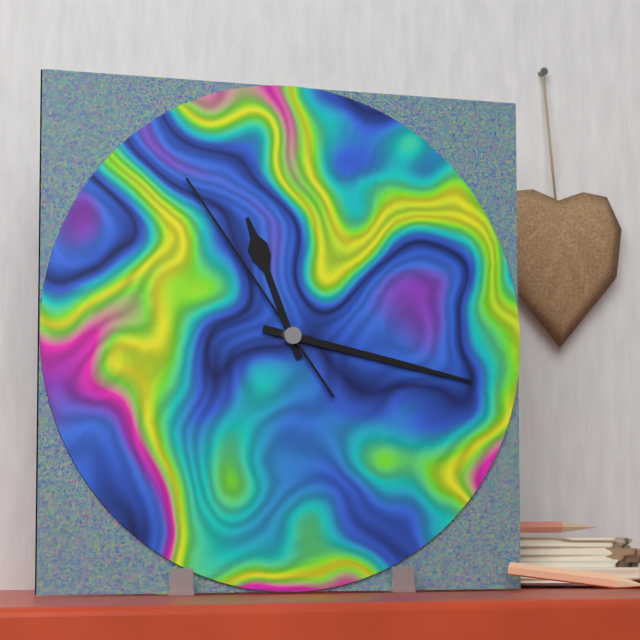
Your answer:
11:17:54
